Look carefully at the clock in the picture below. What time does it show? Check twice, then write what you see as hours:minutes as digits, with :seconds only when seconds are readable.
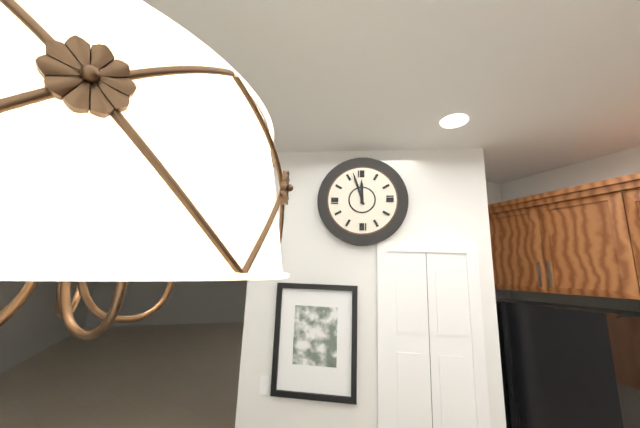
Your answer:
11:57
